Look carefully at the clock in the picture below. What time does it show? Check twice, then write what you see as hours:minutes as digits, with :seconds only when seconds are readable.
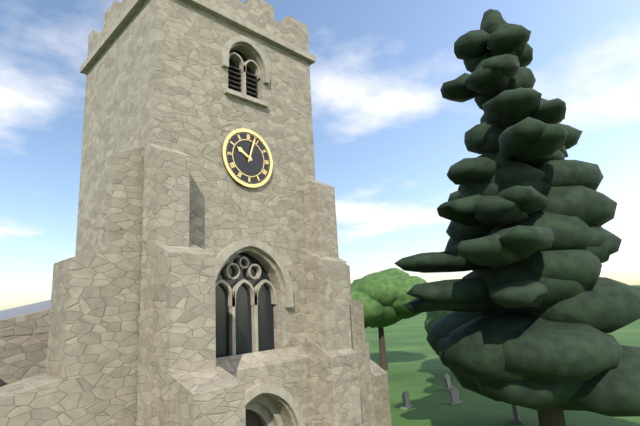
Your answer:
10:03
